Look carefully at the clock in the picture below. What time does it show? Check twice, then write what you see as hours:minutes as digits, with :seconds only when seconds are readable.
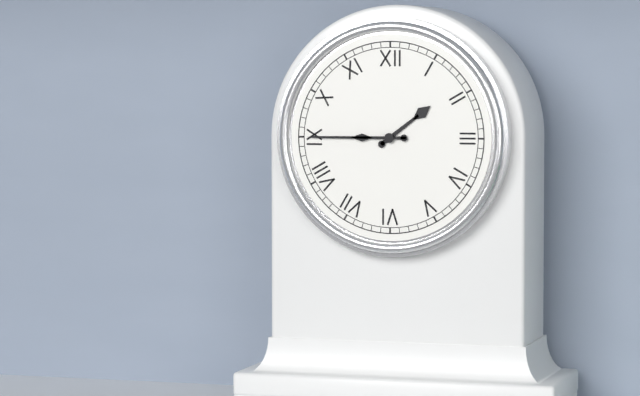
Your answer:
1:45
